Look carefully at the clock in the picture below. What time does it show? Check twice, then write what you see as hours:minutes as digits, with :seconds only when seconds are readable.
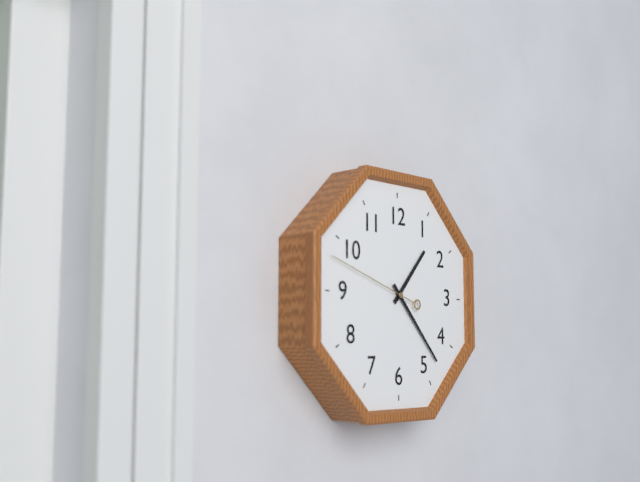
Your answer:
1:23:48
